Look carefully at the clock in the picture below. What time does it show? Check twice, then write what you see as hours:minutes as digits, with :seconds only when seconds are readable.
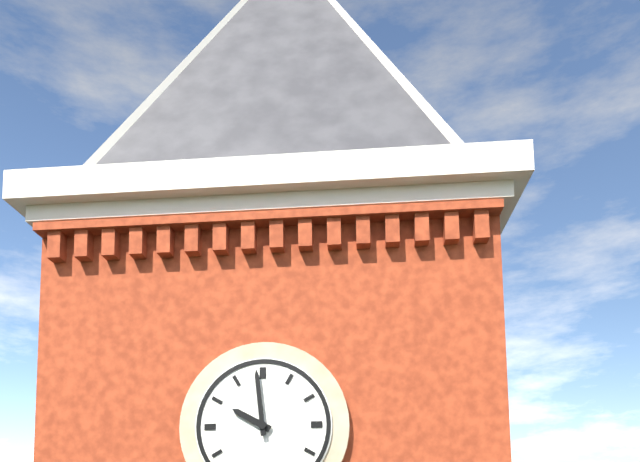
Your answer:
9:59
